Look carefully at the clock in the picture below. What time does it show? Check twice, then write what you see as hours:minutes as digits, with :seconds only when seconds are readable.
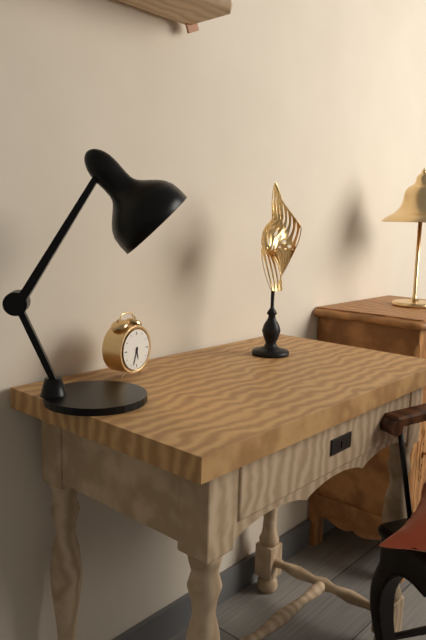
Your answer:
5:33
